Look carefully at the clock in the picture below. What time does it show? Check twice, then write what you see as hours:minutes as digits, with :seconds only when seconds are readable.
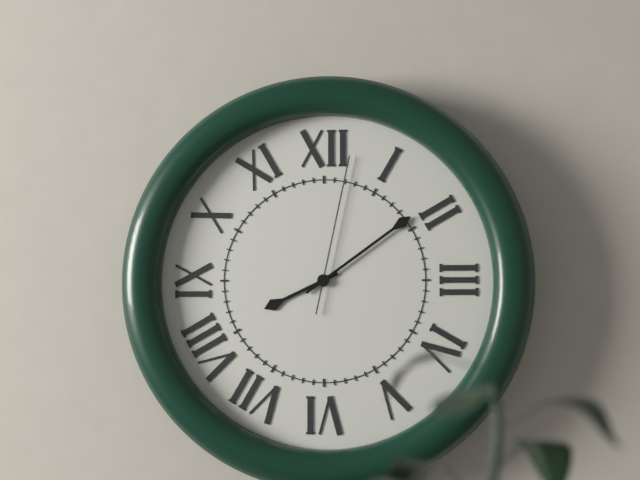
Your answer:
8:09:02
